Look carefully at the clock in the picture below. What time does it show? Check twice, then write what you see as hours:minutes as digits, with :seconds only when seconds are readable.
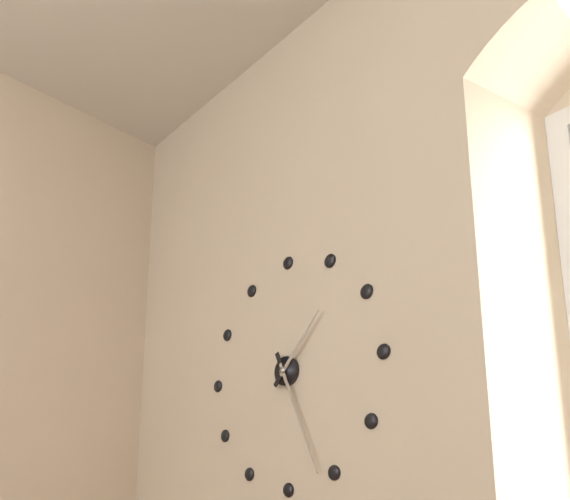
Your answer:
1:26
